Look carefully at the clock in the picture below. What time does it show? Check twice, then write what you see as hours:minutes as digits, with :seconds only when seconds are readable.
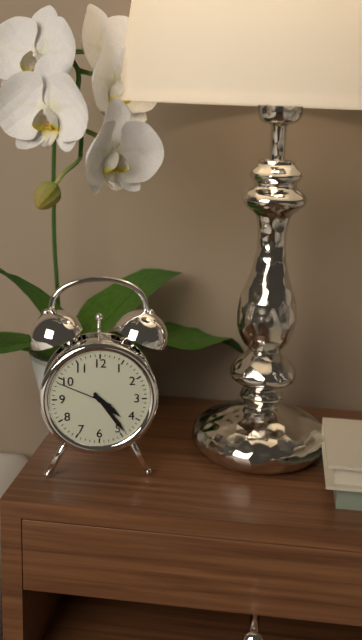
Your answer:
4:24:49
